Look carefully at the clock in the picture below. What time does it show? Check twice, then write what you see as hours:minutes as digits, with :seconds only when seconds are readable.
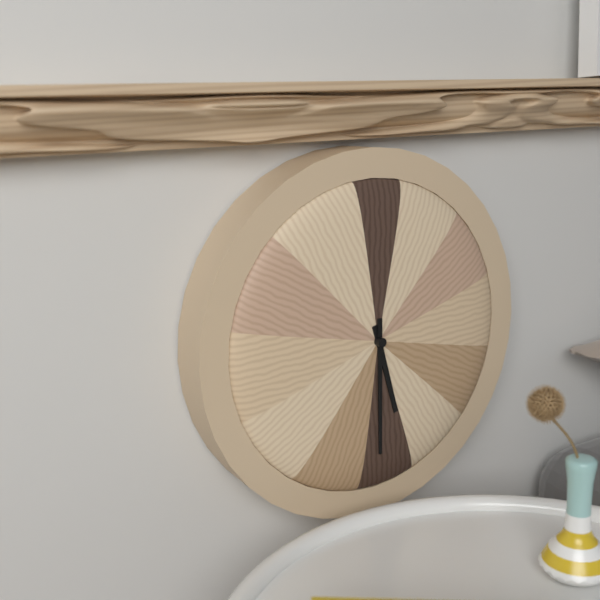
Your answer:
5:30
